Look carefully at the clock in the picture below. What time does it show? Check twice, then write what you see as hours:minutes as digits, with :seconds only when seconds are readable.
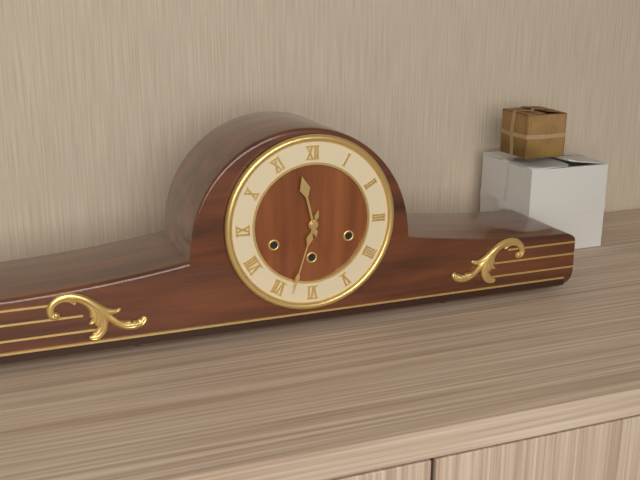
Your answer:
11:33
